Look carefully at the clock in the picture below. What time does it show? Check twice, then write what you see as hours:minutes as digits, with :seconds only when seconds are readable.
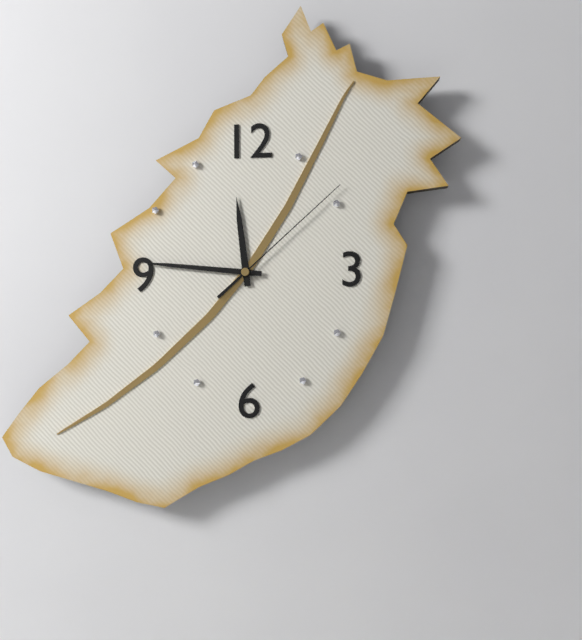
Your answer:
11:46:08
